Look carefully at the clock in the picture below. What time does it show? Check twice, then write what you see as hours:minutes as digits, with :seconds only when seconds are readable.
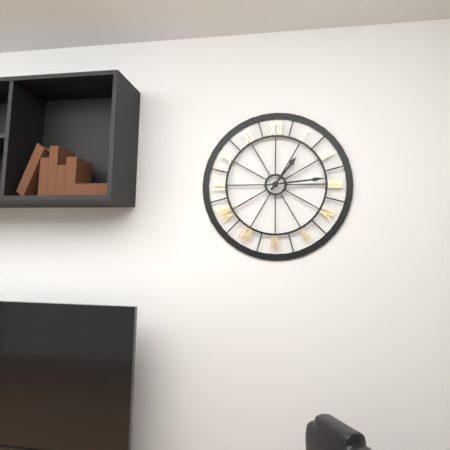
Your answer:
1:14
